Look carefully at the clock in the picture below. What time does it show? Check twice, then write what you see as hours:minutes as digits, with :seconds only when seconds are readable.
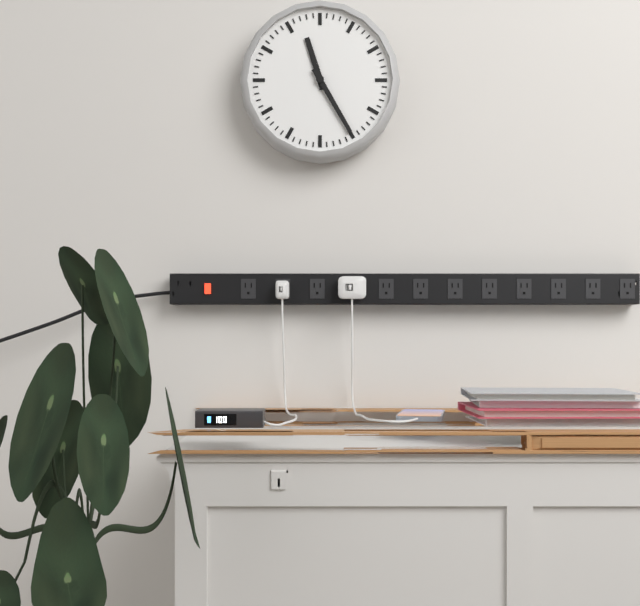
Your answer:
11:25
